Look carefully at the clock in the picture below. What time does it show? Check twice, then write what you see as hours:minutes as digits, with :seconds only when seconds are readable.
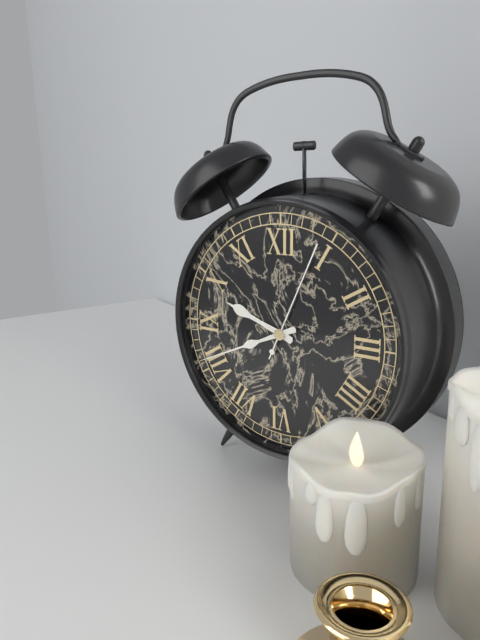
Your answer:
9:41:04
